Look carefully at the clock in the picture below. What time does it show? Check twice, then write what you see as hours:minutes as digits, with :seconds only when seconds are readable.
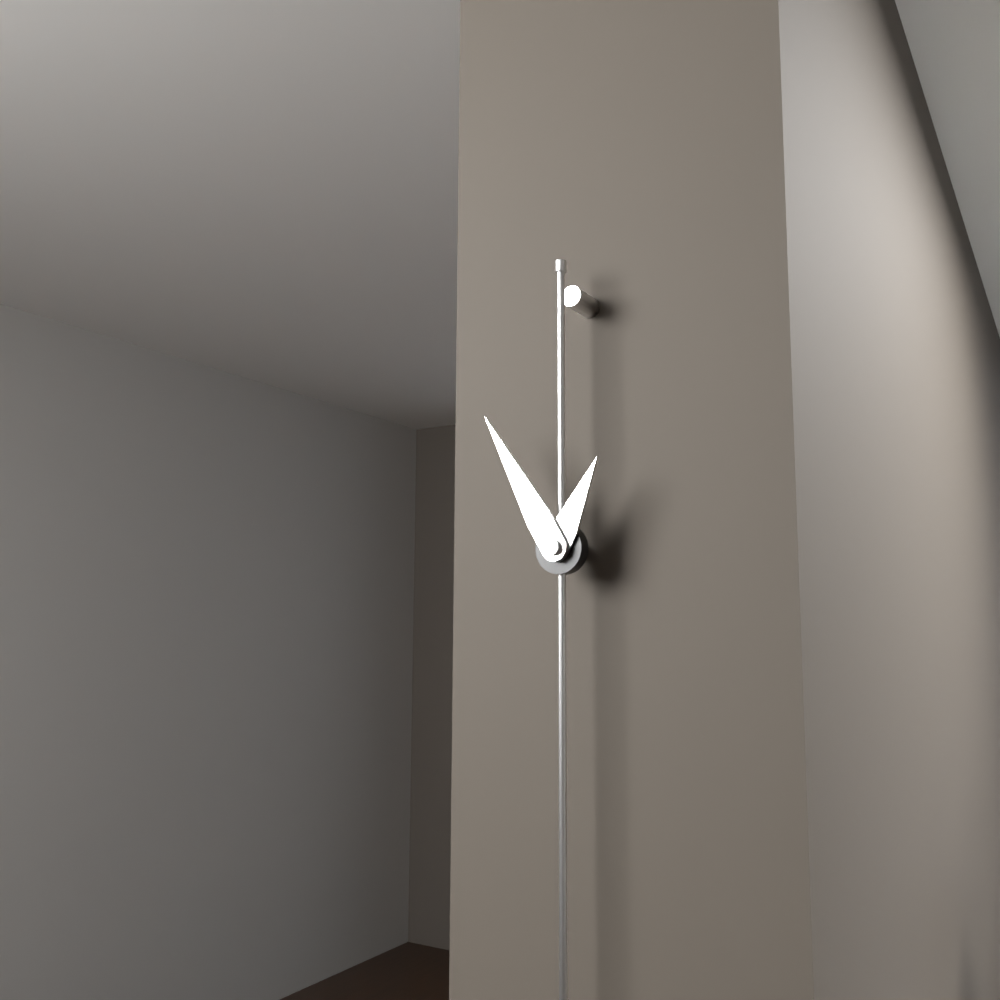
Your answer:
12:55
